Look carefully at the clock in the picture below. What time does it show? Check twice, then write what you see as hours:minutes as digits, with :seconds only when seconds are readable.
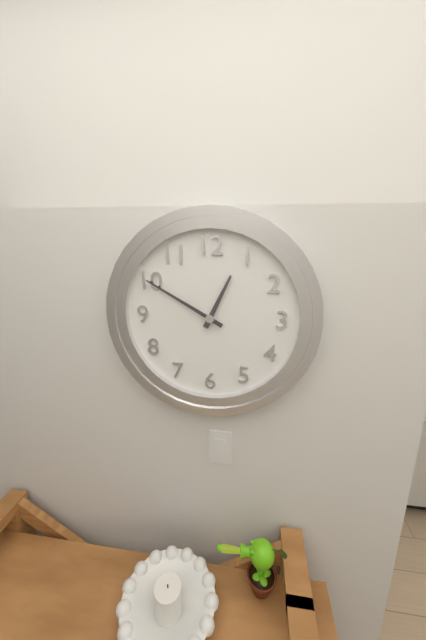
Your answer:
12:50
